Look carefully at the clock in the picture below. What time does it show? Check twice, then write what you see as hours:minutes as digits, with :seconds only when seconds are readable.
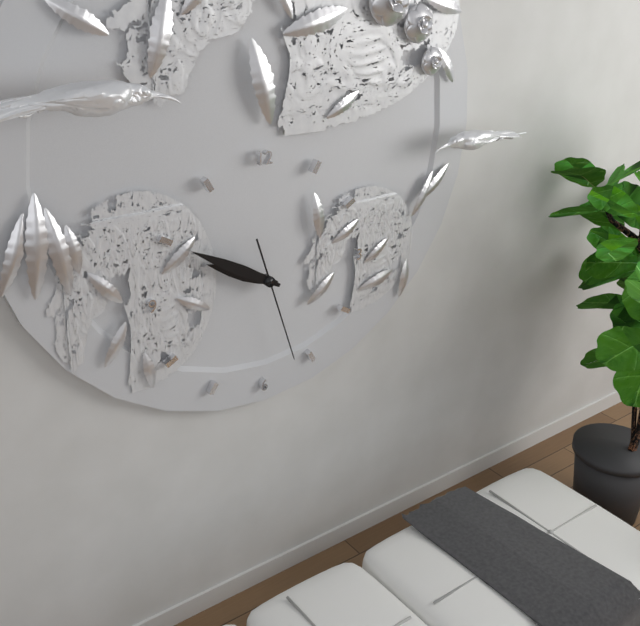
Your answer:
9:50:27
